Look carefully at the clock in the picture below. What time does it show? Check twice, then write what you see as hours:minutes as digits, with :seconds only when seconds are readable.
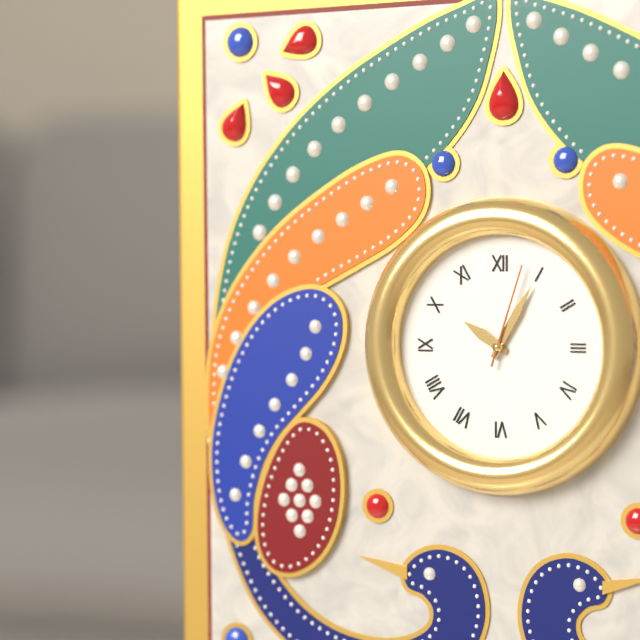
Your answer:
10:05:03
